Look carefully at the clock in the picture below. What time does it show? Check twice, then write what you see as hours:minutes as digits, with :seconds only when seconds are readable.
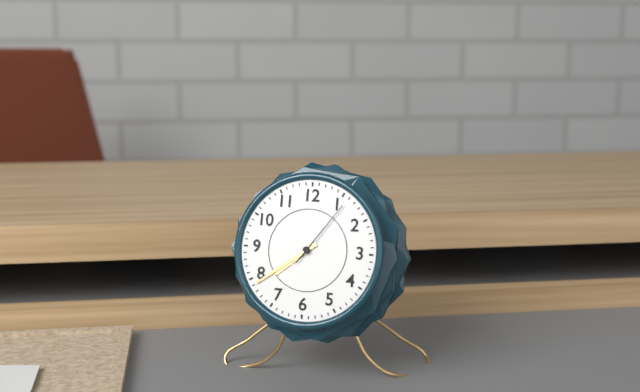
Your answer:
7:39:06
